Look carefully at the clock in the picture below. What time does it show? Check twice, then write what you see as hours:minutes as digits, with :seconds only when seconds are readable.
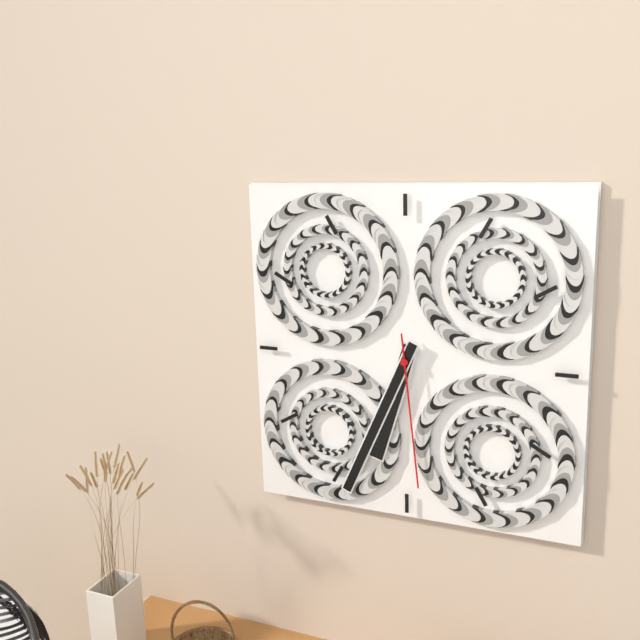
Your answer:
6:34:29
